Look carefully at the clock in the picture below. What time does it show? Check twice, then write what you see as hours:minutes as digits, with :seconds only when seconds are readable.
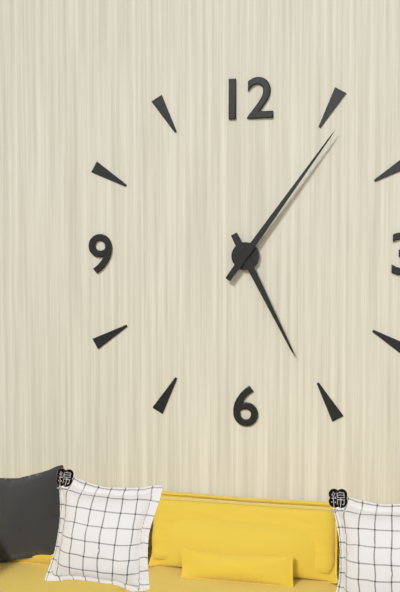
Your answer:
5:06
